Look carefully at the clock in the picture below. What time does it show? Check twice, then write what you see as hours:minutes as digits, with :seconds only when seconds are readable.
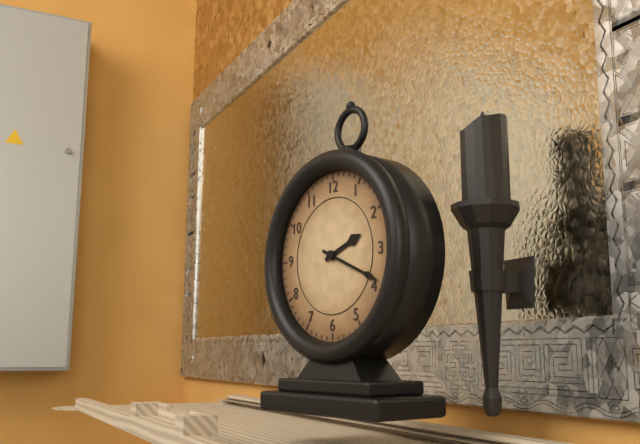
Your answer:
2:19
